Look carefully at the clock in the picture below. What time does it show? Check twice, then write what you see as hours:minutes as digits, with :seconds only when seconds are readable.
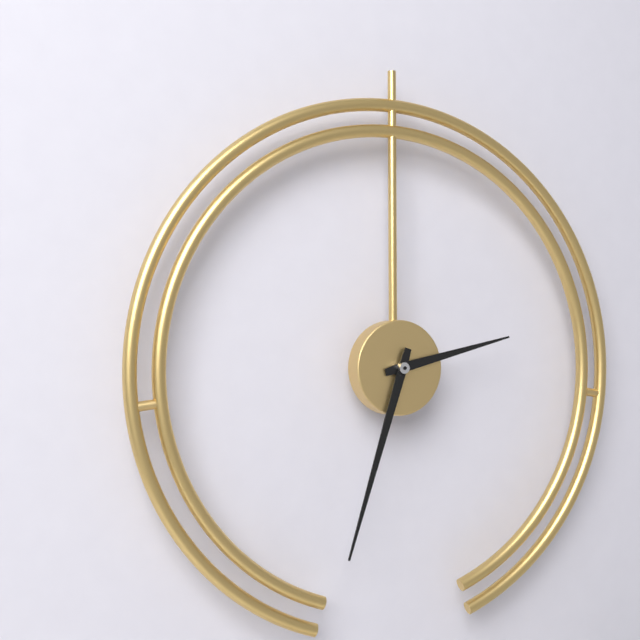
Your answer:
2:33
